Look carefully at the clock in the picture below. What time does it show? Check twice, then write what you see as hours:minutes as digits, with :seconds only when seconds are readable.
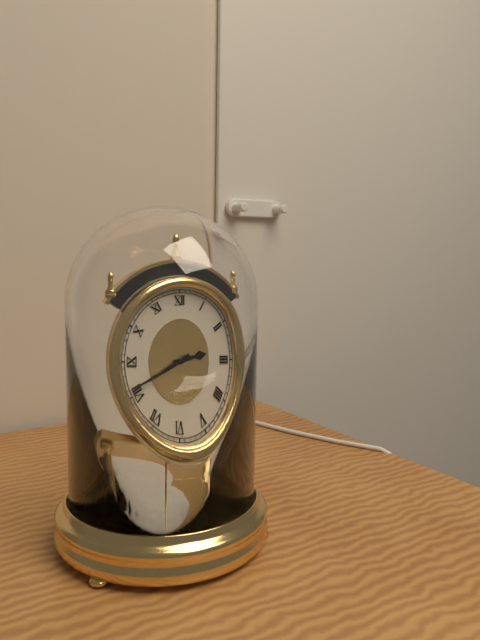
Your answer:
2:41
